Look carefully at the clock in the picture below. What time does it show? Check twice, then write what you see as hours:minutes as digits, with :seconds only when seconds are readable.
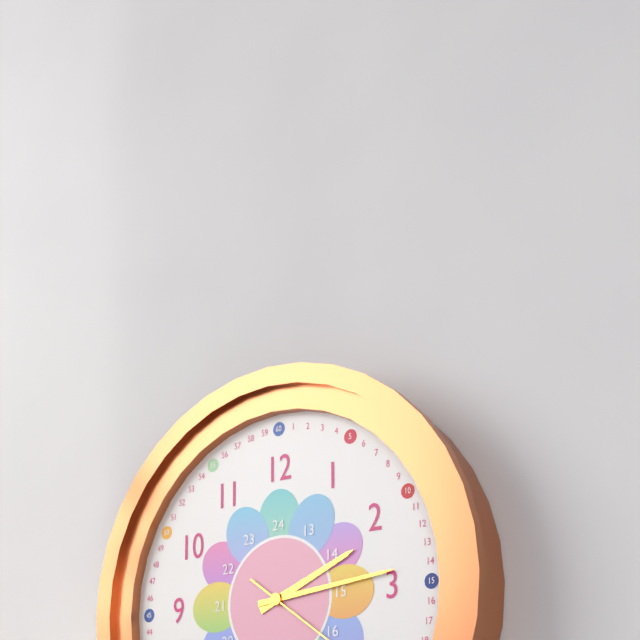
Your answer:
2:14
